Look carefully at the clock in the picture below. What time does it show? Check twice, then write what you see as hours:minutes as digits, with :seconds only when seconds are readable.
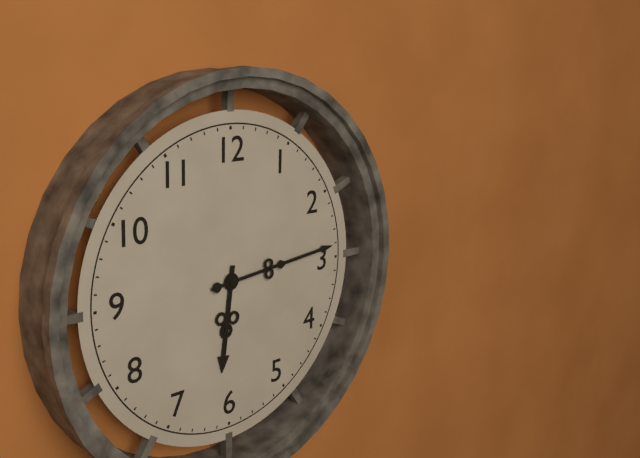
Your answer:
6:14
